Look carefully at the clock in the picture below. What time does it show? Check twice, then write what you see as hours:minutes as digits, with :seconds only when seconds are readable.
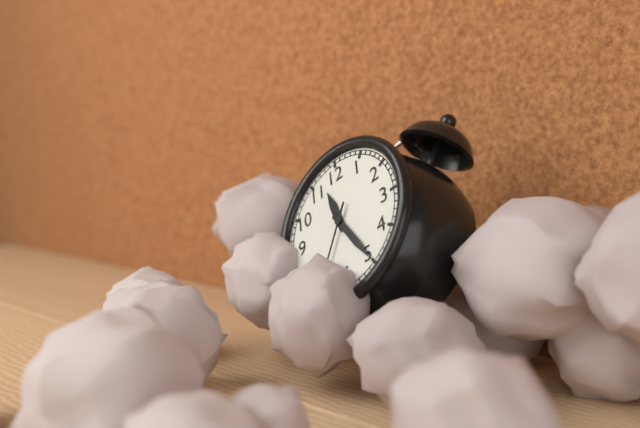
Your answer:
11:25
